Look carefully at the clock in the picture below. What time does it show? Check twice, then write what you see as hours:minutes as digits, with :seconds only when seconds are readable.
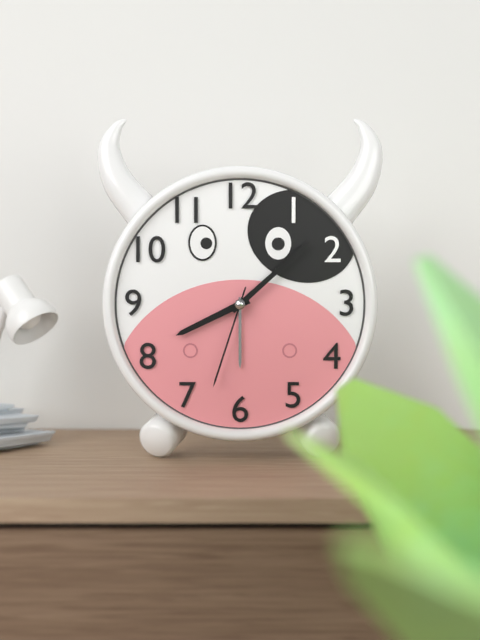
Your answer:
8:08:33
